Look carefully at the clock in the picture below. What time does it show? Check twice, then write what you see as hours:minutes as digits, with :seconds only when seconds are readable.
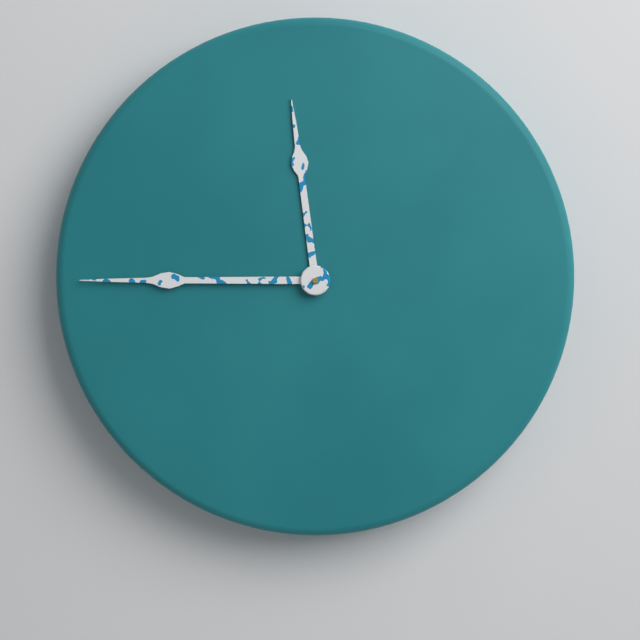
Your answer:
11:45
